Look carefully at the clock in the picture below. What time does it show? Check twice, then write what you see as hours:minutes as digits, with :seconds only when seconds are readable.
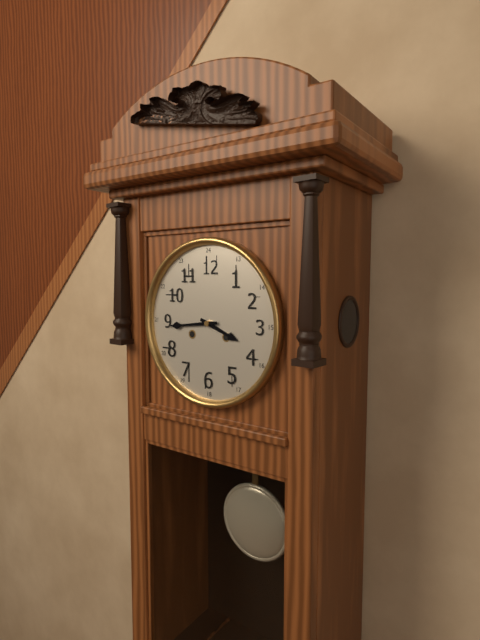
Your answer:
3:44
